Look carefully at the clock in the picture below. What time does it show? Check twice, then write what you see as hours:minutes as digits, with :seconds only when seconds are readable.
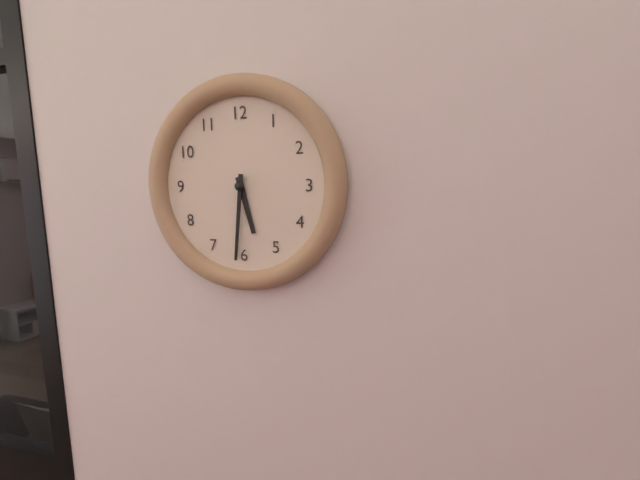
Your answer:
5:31
